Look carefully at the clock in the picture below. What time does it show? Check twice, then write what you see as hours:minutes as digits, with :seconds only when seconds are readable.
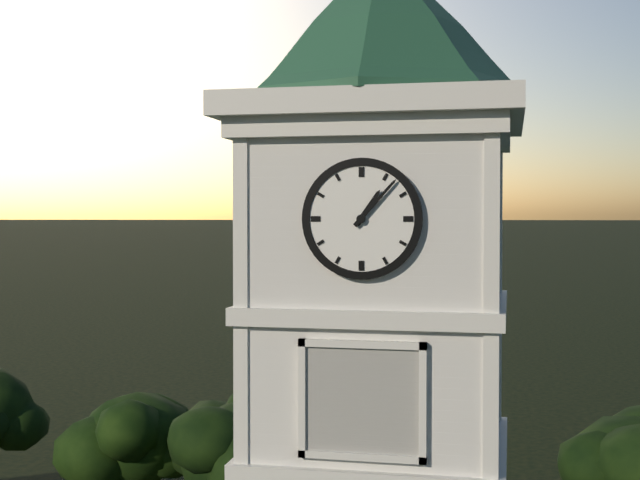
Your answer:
1:07
